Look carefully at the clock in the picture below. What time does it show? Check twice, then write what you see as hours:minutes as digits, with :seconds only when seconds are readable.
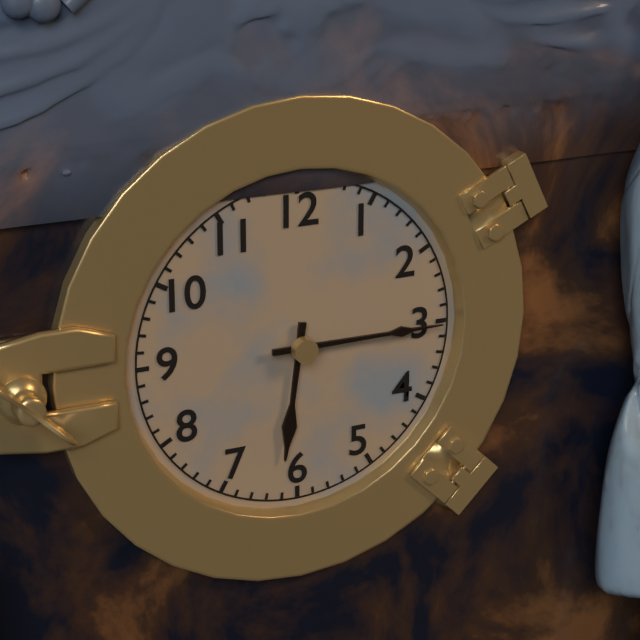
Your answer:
6:15
